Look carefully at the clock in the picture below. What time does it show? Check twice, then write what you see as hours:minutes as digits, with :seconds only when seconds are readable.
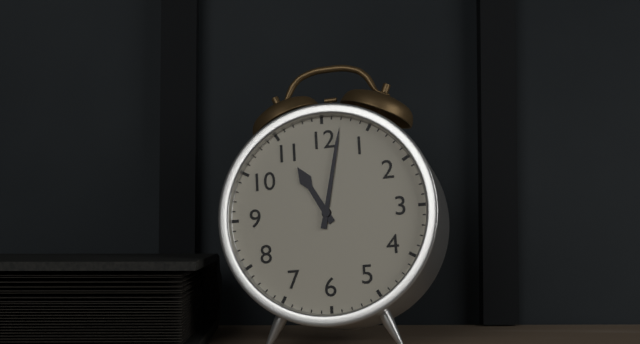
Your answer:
11:02
